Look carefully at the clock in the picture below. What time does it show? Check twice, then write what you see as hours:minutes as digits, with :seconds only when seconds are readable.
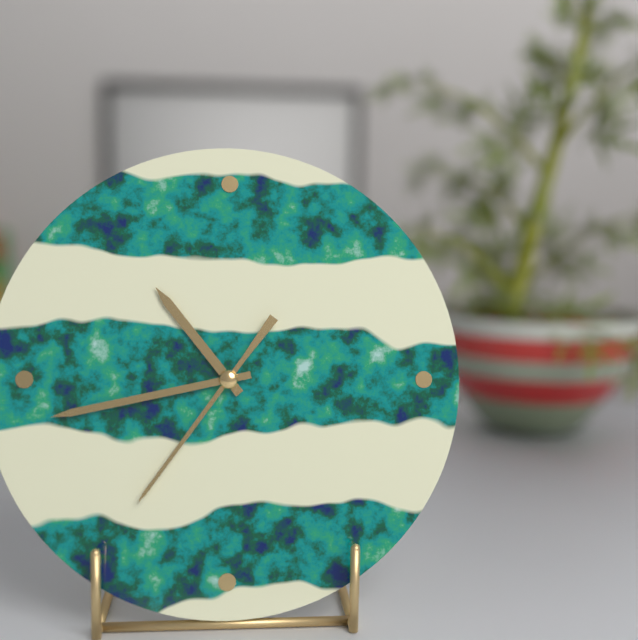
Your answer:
10:43:36
